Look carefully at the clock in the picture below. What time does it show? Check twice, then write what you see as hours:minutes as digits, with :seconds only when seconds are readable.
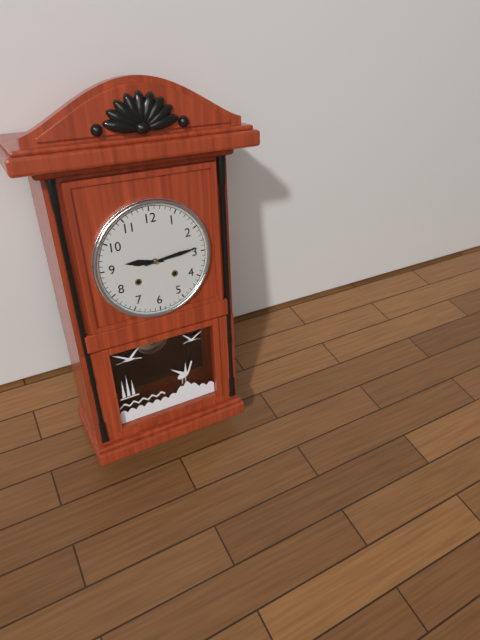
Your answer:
9:14
